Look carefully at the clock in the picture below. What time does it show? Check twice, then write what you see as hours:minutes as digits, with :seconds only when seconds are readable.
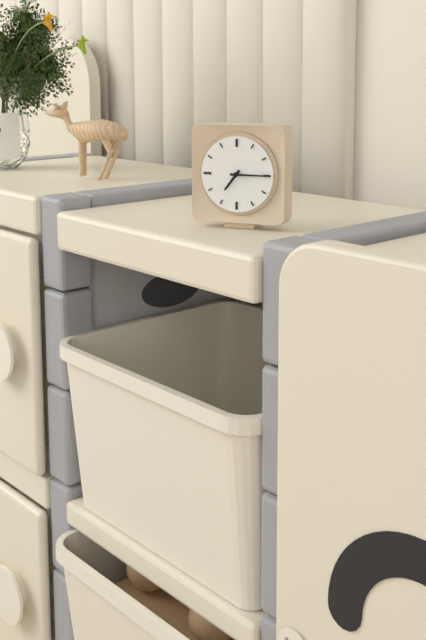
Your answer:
7:15
